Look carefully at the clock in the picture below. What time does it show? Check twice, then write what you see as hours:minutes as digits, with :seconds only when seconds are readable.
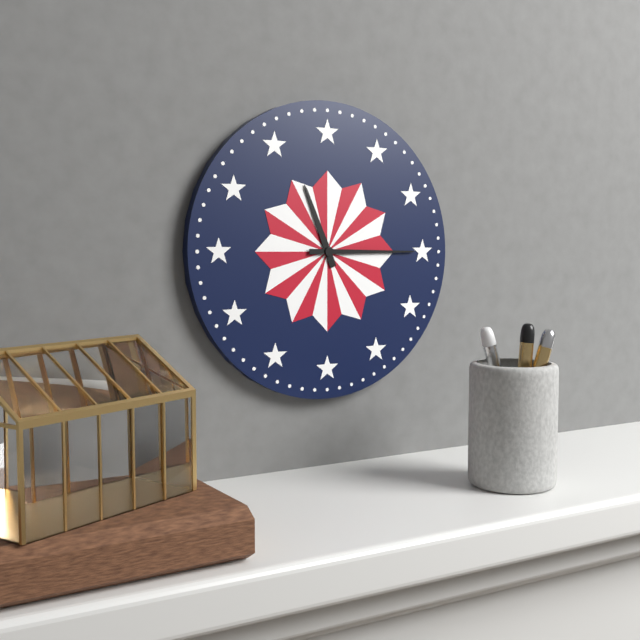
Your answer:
11:15
